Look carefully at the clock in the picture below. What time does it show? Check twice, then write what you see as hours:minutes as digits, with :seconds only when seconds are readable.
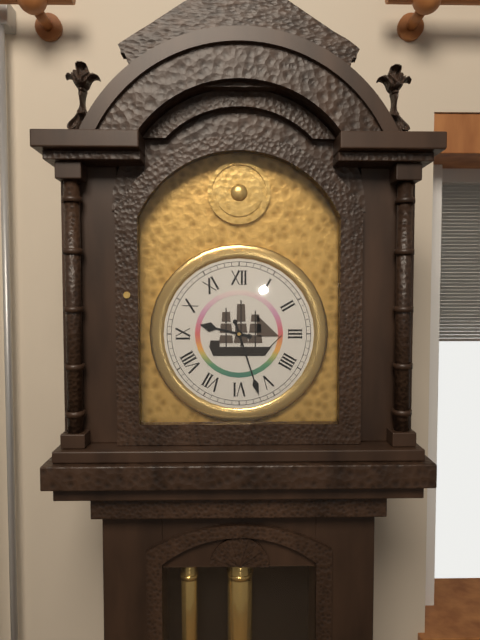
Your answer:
9:27
